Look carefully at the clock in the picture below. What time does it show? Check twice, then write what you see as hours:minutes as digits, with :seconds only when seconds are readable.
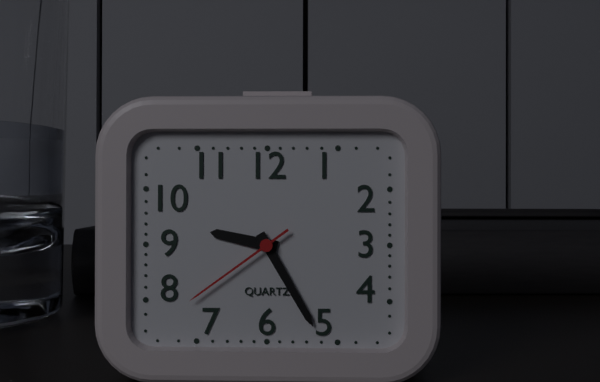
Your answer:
9:25:39
